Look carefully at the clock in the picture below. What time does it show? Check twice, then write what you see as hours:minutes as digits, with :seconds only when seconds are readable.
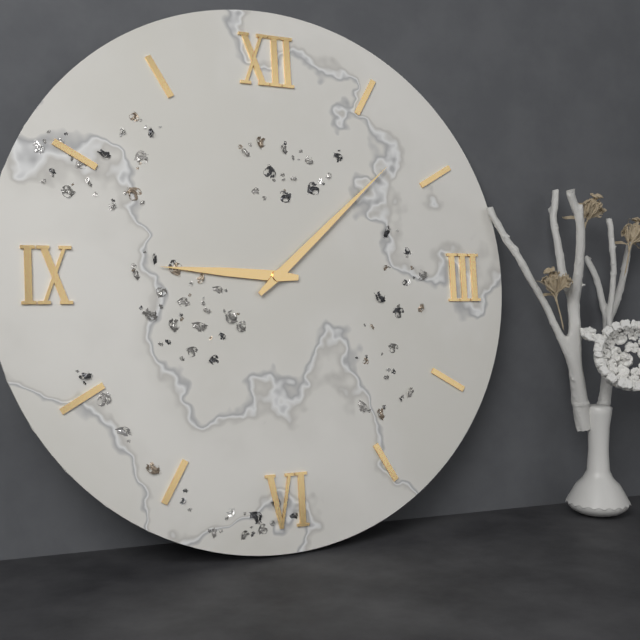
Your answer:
9:08
